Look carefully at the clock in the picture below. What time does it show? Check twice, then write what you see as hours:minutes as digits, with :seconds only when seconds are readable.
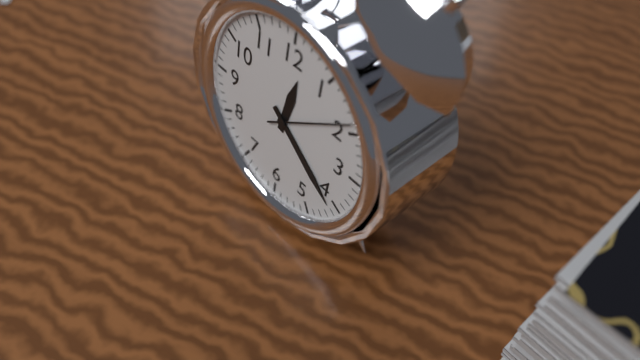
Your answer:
12:21:09
